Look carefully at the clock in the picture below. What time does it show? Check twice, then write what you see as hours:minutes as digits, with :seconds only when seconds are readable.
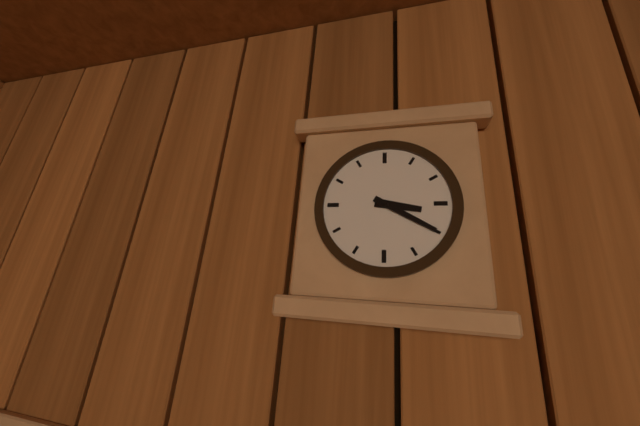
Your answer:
3:20
